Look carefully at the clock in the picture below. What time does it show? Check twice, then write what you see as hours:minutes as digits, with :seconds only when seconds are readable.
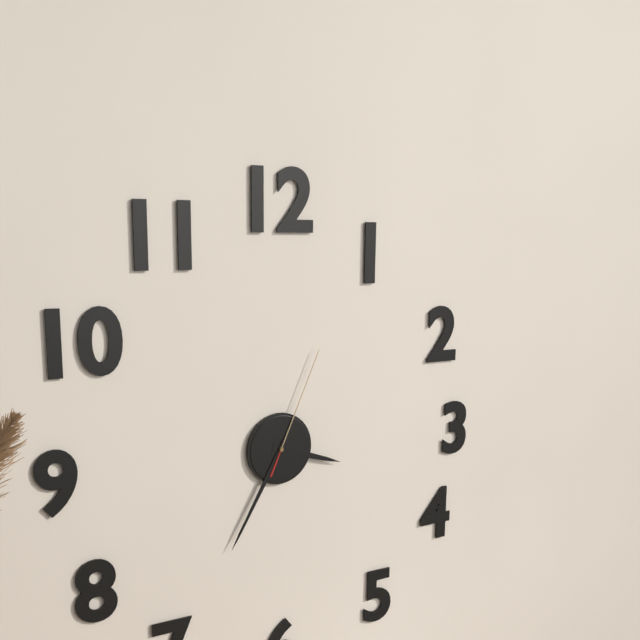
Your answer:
3:35:04
